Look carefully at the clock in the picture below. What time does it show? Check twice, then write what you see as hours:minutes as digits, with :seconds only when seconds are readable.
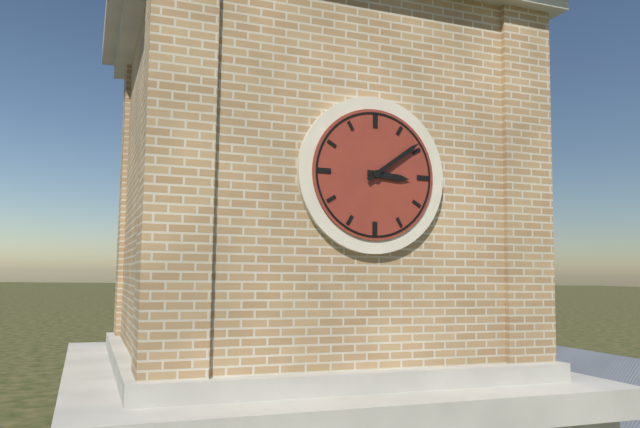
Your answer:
3:09
